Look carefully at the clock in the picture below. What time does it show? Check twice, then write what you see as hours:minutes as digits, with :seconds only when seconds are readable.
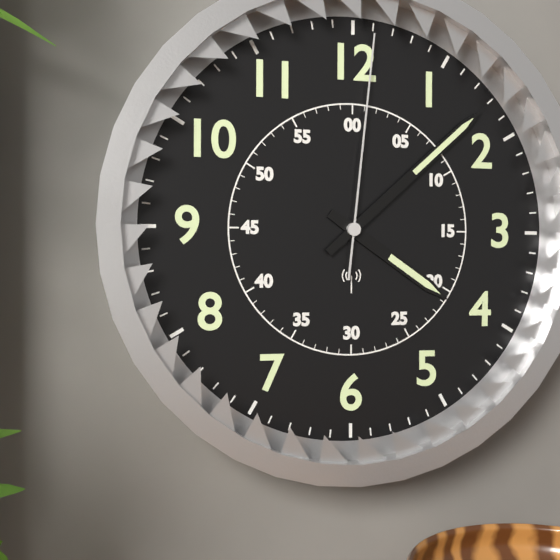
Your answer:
4:08:01
